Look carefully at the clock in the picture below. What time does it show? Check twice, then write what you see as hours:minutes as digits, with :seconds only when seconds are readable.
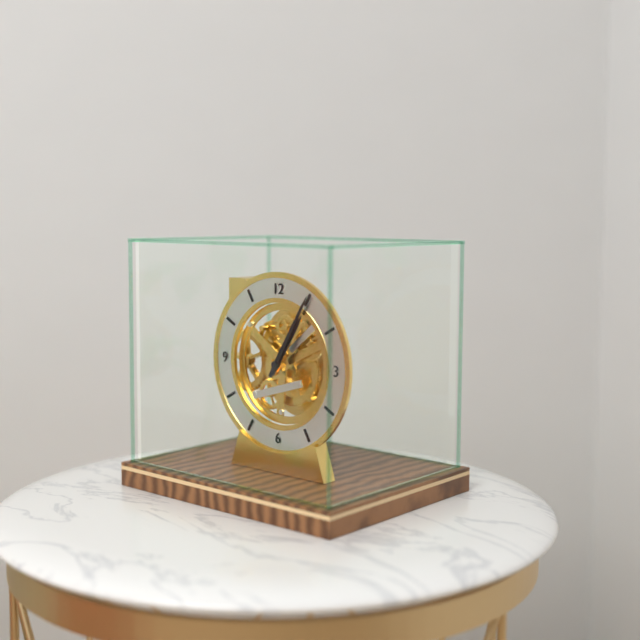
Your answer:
1:05
